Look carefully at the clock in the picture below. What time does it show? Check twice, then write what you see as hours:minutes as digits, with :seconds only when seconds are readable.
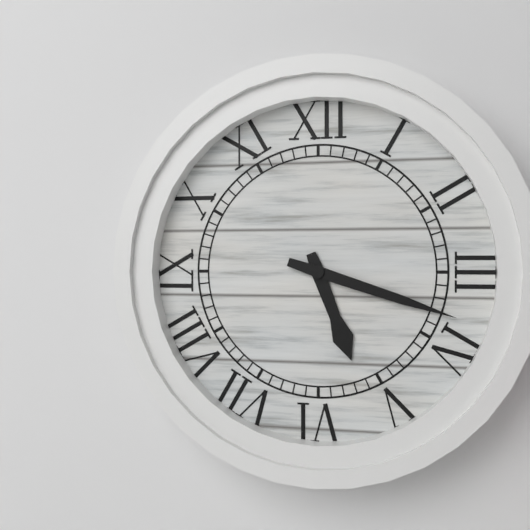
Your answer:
5:18
